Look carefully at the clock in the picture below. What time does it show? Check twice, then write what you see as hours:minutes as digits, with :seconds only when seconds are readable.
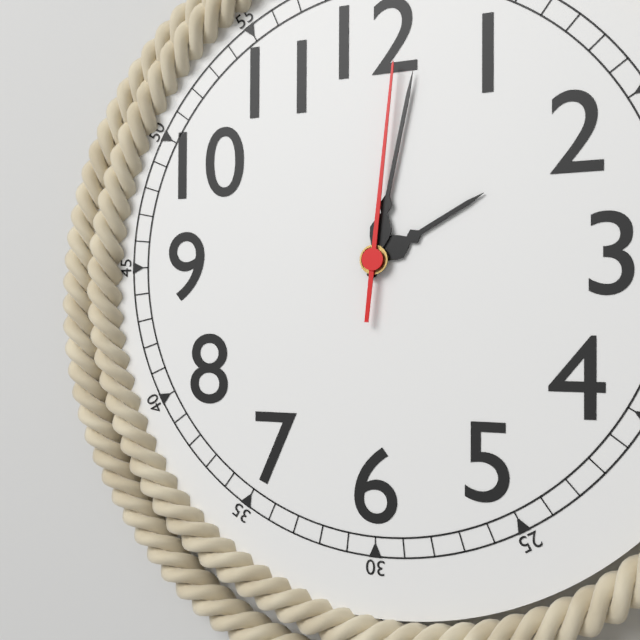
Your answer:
2:02:01
